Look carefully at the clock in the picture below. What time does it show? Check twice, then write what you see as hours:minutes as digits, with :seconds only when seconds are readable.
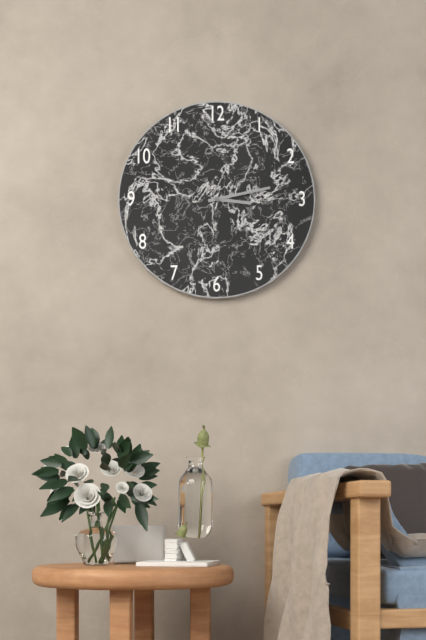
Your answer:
3:13
